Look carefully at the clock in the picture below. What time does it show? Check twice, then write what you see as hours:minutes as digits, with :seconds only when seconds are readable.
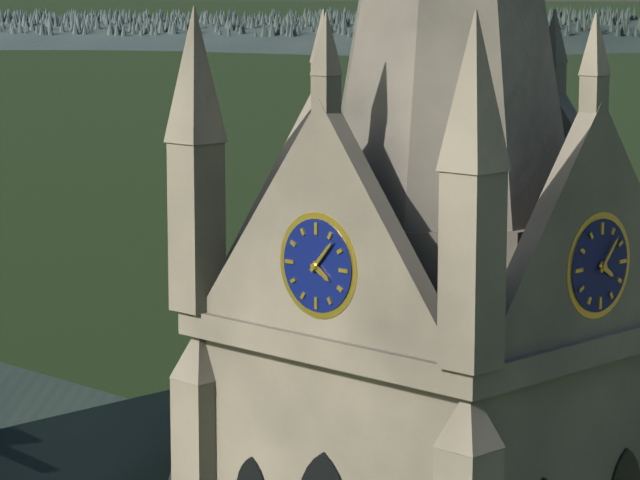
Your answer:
4:07
